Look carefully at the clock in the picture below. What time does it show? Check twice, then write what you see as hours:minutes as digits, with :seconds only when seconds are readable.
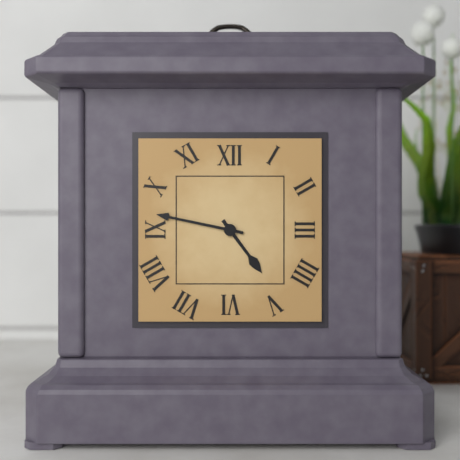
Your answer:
4:47
